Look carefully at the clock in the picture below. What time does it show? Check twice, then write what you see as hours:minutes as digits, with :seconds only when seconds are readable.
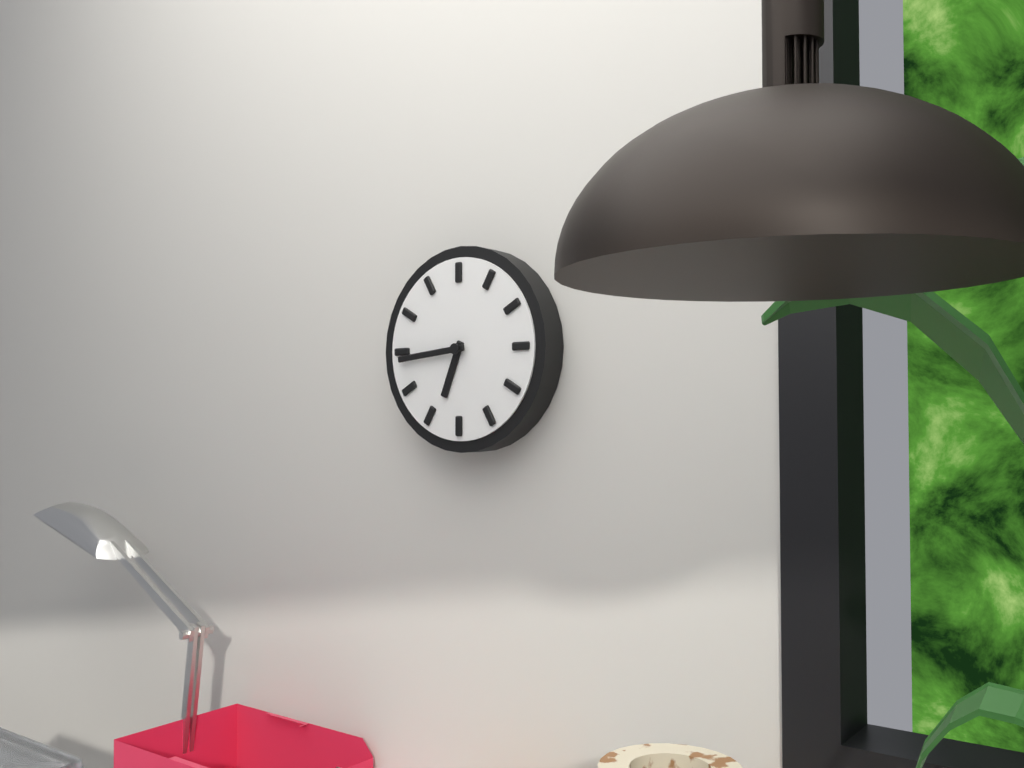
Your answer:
6:44
